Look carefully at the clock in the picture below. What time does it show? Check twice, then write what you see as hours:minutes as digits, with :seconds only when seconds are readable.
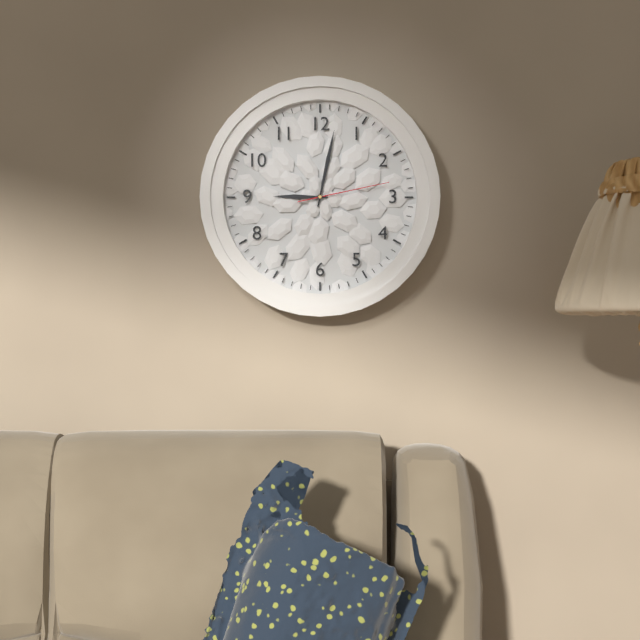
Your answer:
9:02:13
